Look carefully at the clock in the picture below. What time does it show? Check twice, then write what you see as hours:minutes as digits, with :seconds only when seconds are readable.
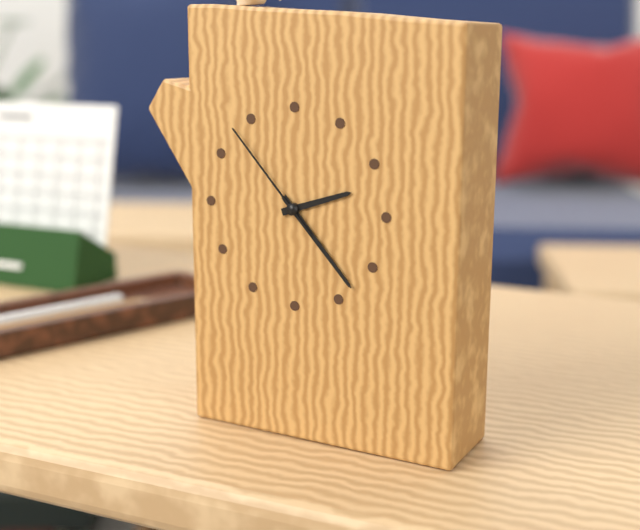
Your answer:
2:23:53
